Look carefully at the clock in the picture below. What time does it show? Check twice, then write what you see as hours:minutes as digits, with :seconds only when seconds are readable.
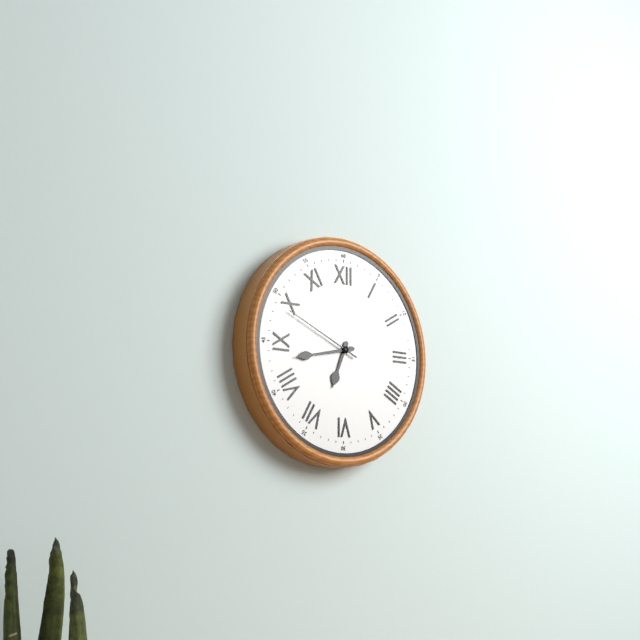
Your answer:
6:43:49
